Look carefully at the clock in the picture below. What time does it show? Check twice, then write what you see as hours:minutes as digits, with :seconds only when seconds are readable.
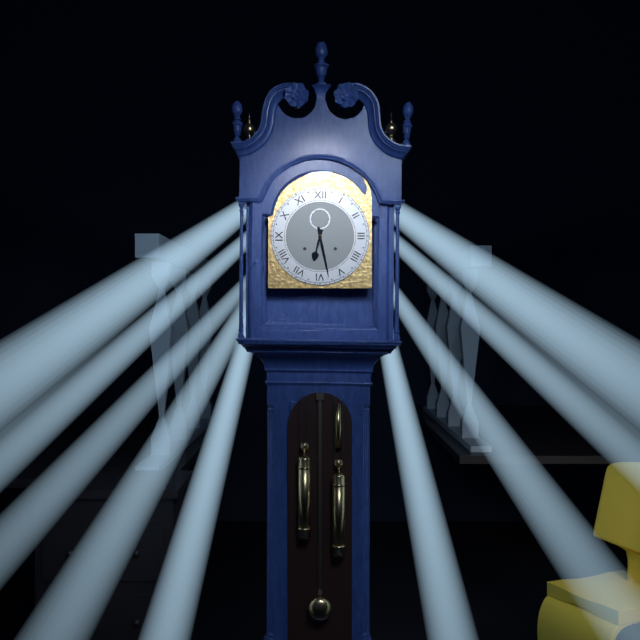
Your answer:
6:28
